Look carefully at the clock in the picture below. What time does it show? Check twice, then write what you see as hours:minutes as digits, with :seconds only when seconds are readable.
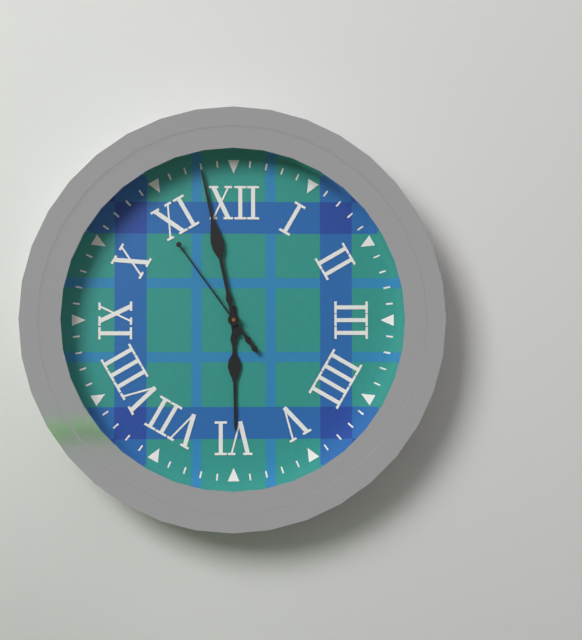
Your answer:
5:58:54
